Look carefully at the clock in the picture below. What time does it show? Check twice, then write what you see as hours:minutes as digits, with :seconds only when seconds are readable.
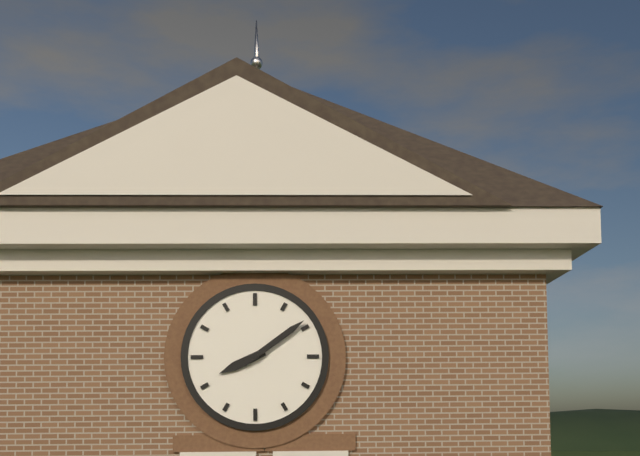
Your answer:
8:09
